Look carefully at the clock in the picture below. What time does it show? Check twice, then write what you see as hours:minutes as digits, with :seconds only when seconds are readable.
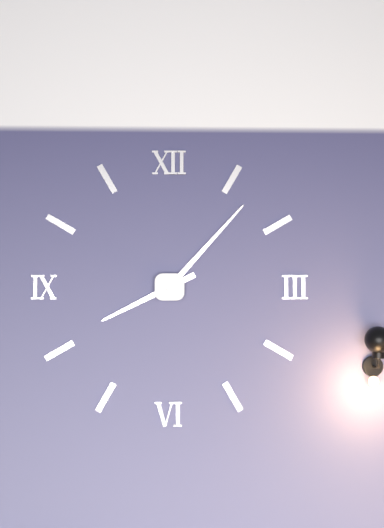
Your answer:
8:07
